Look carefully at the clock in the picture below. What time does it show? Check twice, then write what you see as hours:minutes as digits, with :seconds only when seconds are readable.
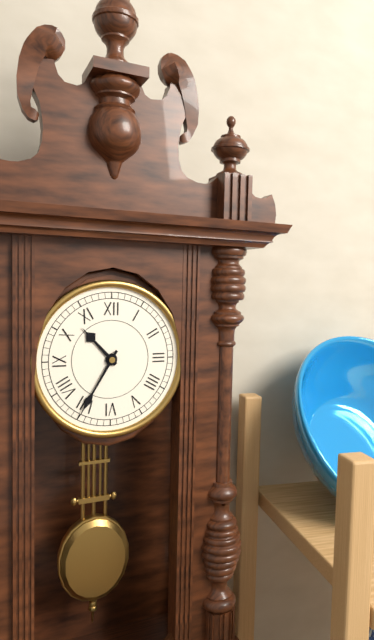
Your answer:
10:35
